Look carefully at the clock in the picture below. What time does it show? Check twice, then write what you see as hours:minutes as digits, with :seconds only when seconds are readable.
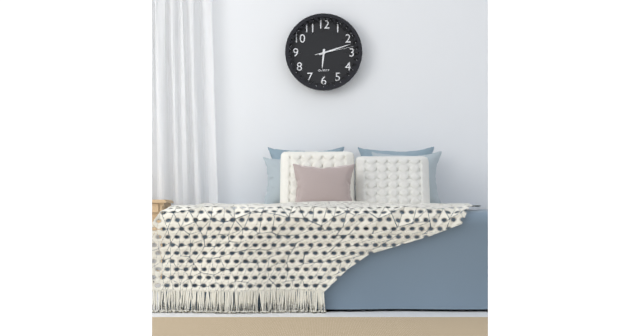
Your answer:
6:12
